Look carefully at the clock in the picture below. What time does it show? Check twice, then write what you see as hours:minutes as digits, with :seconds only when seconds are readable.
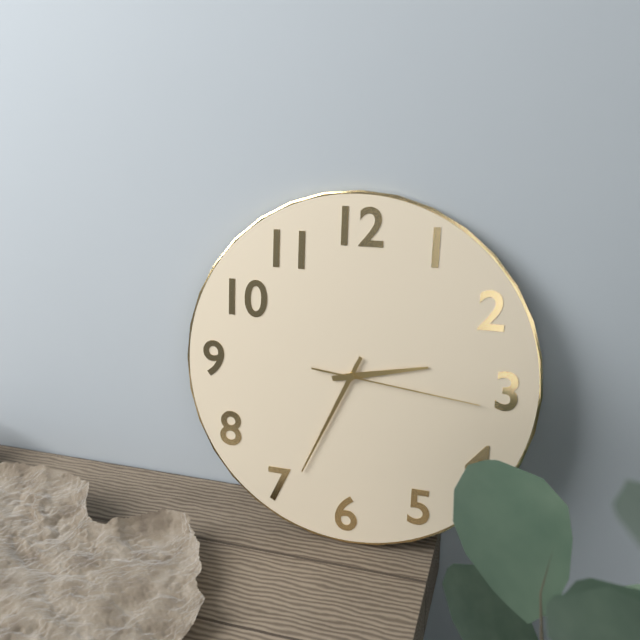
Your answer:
2:34:16
